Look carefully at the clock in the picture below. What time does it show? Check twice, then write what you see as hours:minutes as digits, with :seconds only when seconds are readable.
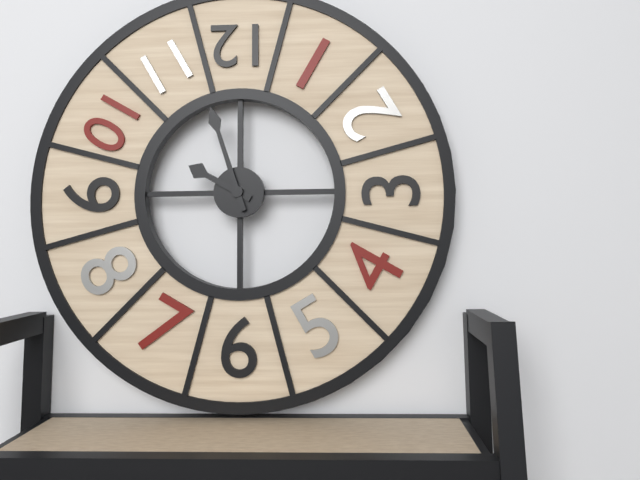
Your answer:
9:57
